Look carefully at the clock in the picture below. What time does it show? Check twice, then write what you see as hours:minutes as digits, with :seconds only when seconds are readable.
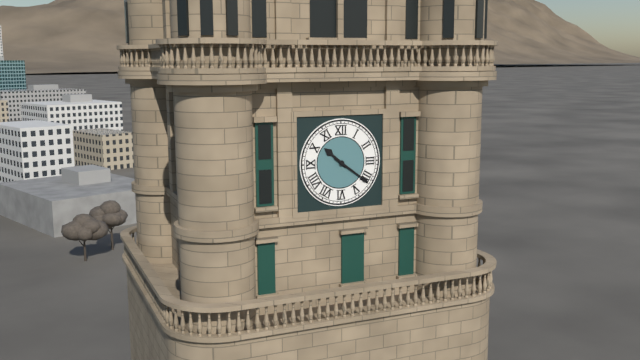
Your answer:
10:21
